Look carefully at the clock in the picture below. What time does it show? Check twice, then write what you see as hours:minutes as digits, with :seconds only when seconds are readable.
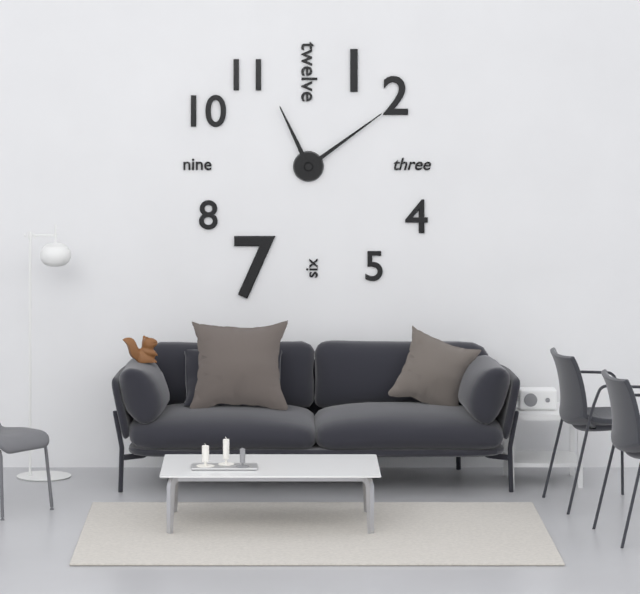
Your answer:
11:09
